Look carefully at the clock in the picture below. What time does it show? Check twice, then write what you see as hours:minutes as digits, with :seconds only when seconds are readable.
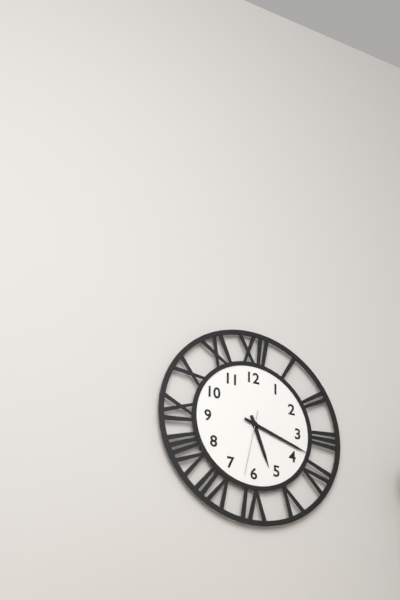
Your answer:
5:18:32
